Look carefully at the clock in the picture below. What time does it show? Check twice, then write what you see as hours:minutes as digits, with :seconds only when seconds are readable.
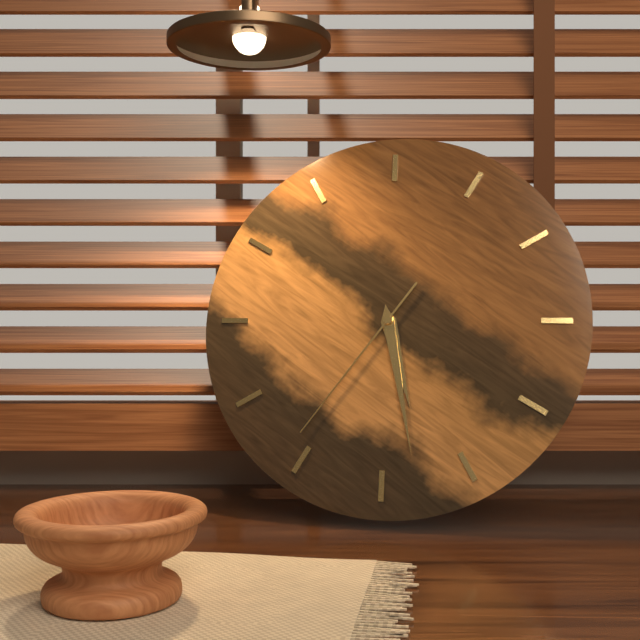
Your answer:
5:28:36
